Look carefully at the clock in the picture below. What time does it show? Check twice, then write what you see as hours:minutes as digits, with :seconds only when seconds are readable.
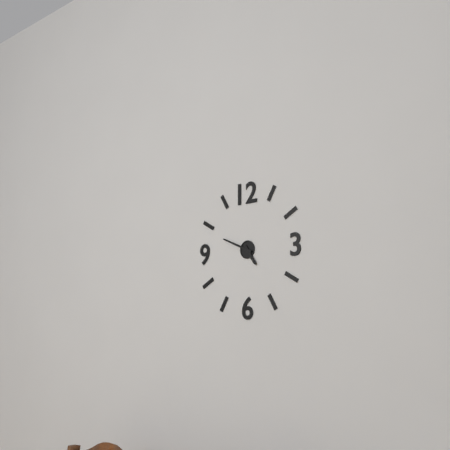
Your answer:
4:49
